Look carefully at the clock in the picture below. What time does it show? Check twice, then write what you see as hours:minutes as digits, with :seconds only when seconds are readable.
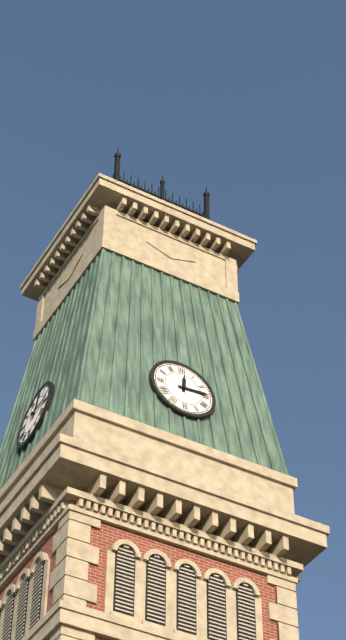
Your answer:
12:14
